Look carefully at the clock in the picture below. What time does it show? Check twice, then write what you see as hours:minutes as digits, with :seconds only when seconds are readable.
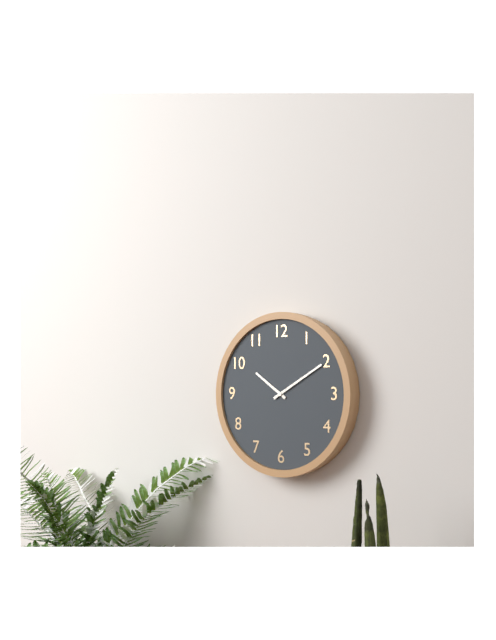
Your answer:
10:10
